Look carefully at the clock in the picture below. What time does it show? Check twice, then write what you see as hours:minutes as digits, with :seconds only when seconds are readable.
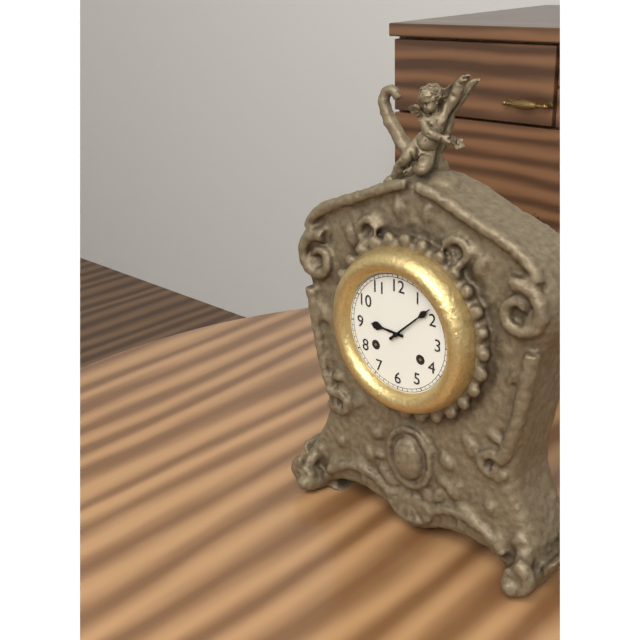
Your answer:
9:08
